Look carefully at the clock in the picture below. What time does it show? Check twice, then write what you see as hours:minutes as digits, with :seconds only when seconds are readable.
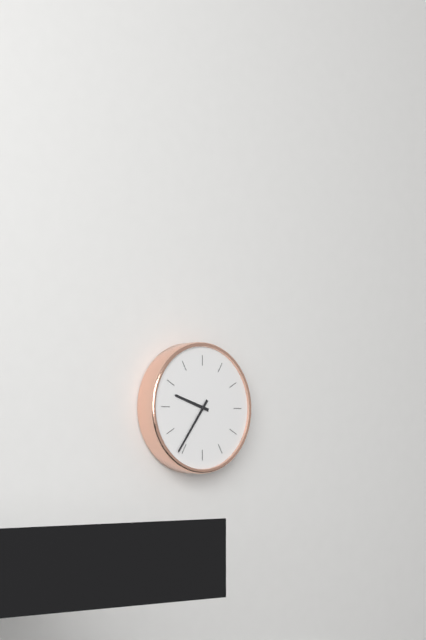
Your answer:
9:36
